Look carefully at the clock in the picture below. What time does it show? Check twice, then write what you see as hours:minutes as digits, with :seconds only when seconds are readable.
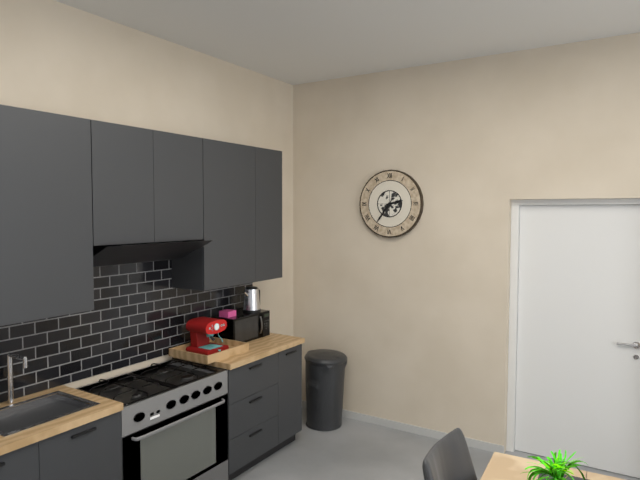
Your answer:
2:36
